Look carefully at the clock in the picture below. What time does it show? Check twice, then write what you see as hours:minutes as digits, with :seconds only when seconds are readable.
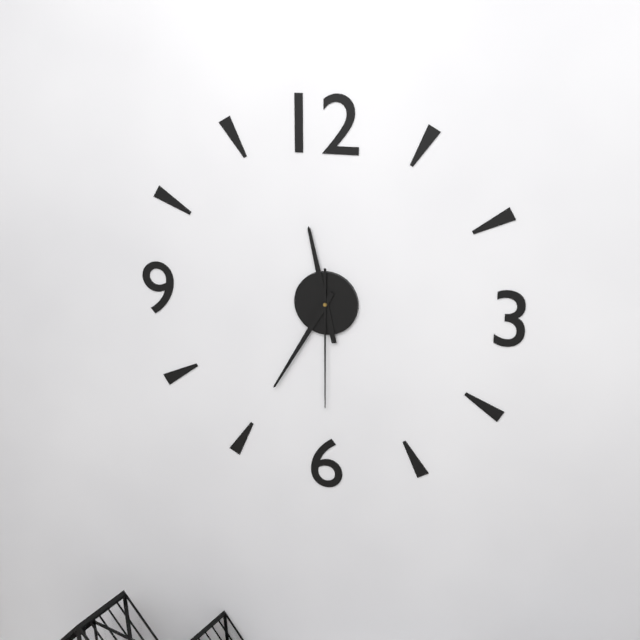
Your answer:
11:35:30
